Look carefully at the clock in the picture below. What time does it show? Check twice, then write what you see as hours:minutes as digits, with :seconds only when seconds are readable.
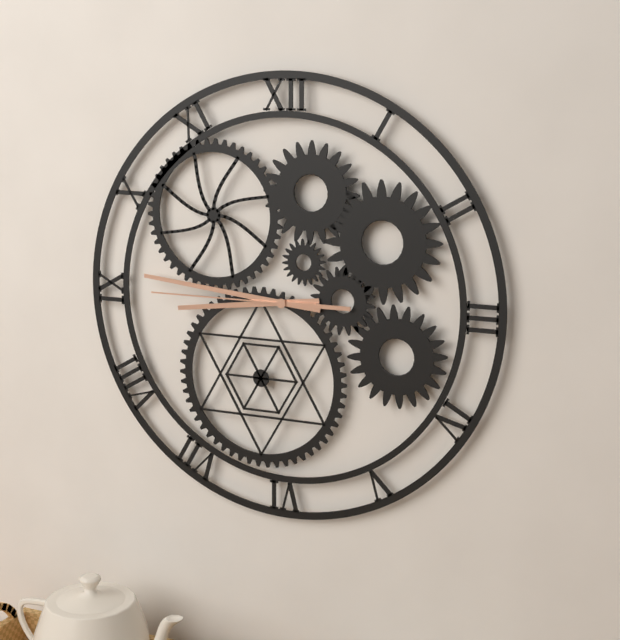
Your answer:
8:46:45
